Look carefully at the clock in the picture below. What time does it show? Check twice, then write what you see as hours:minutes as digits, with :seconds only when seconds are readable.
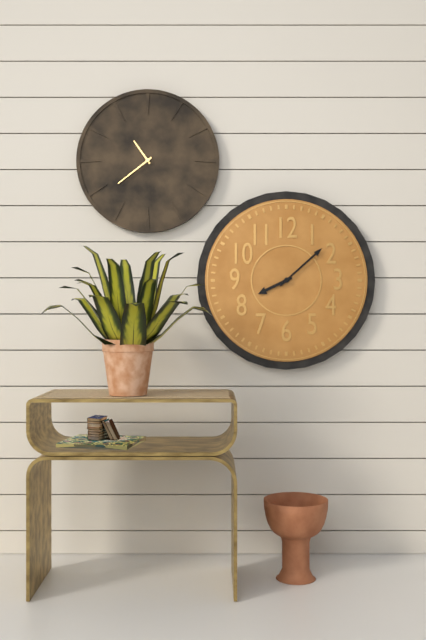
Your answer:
8:08
